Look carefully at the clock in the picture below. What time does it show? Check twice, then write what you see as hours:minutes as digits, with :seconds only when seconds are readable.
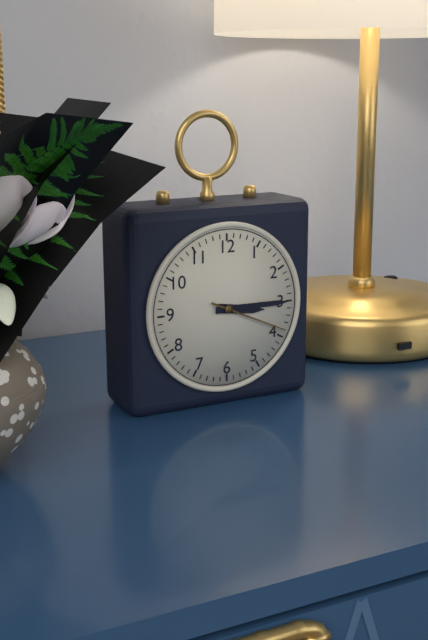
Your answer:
3:15:19
